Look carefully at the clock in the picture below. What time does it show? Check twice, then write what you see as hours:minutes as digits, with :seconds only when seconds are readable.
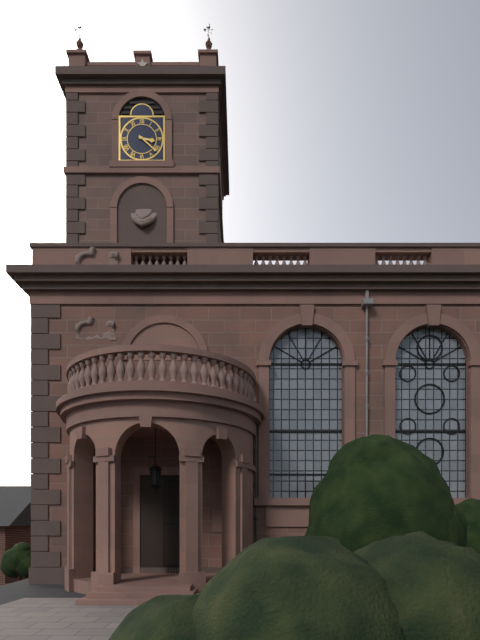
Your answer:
3:22
